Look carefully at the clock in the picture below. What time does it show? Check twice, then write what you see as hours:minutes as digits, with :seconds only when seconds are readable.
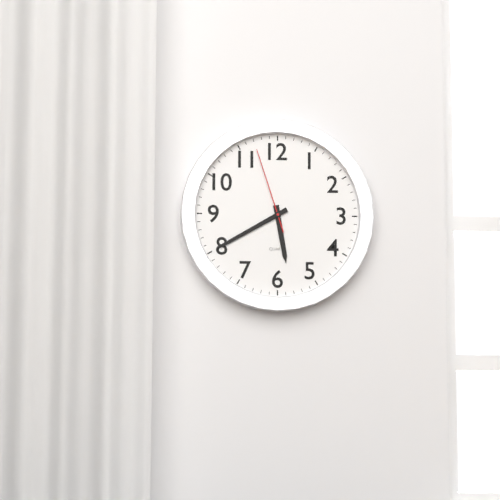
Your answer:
5:40:57
